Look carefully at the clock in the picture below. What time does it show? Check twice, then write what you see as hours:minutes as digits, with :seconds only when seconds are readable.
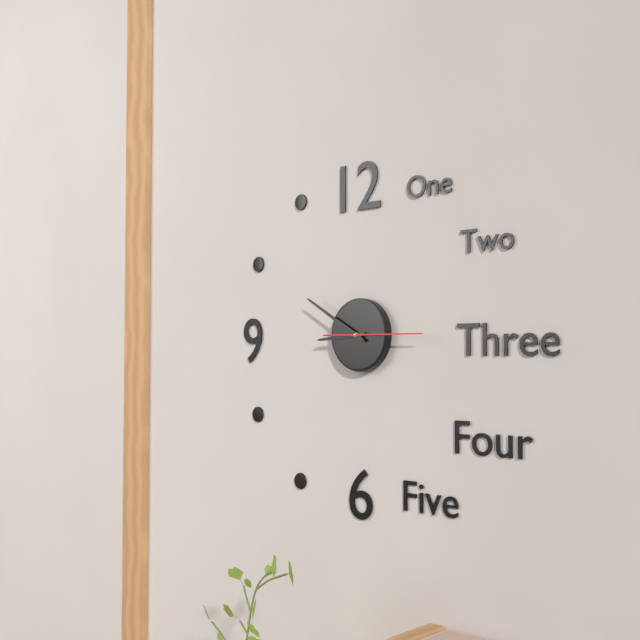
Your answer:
8:50:15
